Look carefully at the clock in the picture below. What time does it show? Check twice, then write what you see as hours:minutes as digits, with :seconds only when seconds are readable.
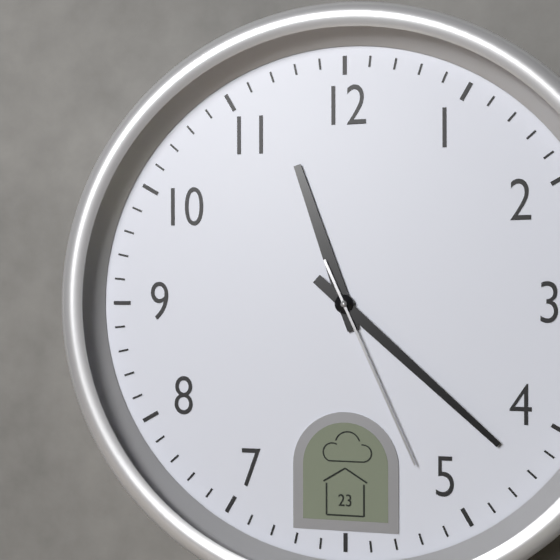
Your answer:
11:22:26
